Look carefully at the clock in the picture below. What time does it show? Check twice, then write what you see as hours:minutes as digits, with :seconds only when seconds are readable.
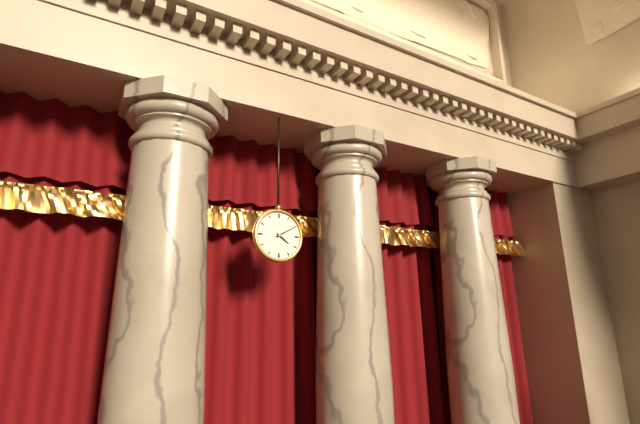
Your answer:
4:10
